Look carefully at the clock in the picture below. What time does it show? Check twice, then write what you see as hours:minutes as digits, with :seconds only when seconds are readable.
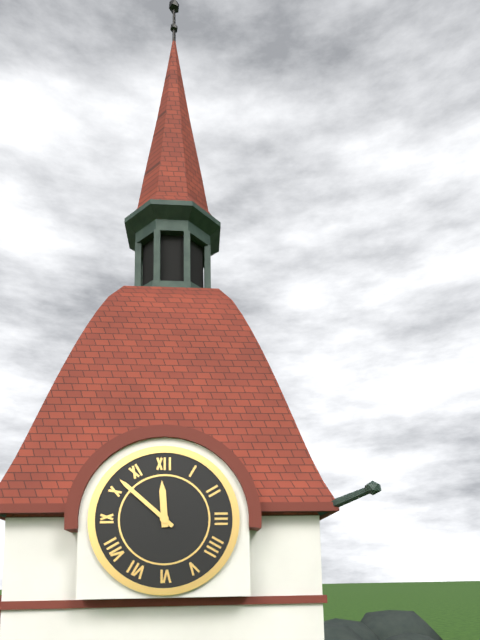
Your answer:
11:52
